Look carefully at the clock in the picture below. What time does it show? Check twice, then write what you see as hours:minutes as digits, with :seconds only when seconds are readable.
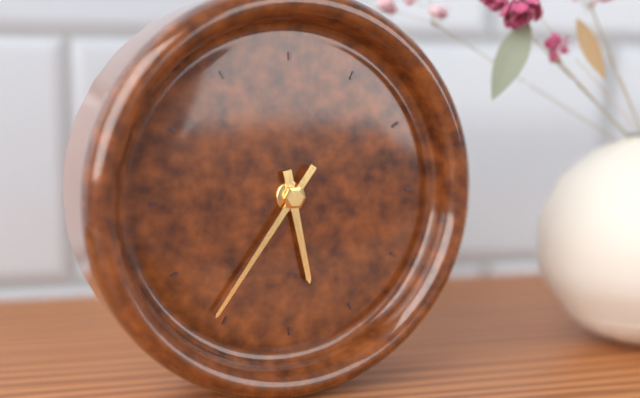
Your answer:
5:36
